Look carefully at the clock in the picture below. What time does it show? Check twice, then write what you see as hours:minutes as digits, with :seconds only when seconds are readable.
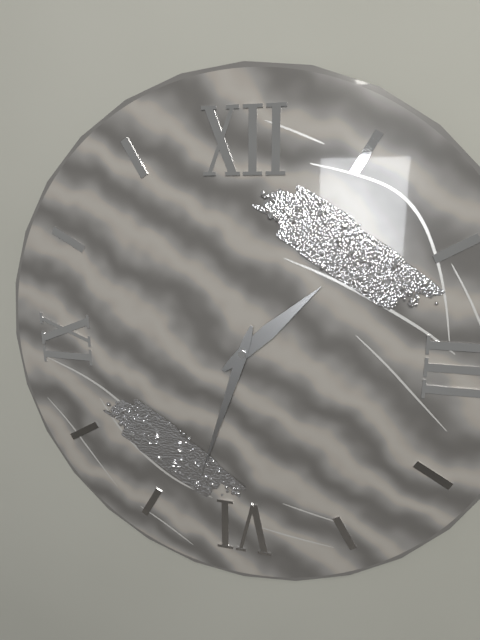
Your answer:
1:33
